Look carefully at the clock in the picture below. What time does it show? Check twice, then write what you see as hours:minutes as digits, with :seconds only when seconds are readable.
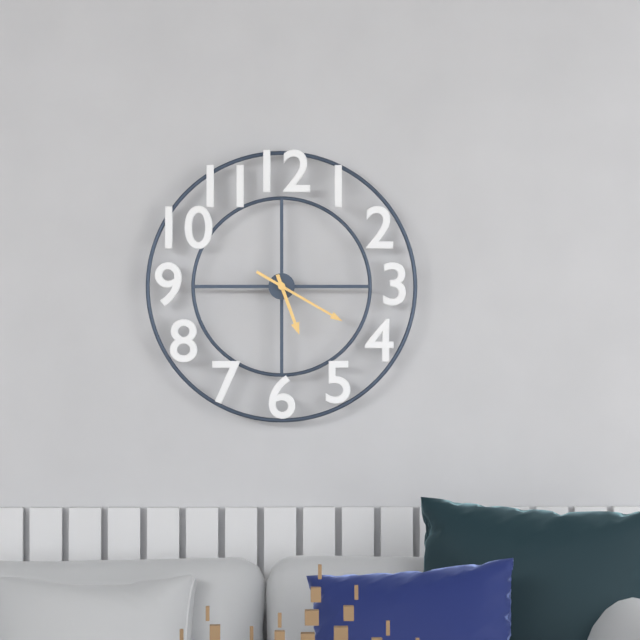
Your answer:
5:20
